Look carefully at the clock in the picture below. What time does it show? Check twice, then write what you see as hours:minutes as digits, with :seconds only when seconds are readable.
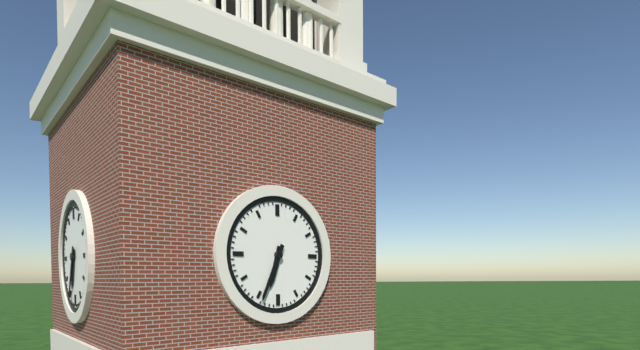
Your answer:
6:34
